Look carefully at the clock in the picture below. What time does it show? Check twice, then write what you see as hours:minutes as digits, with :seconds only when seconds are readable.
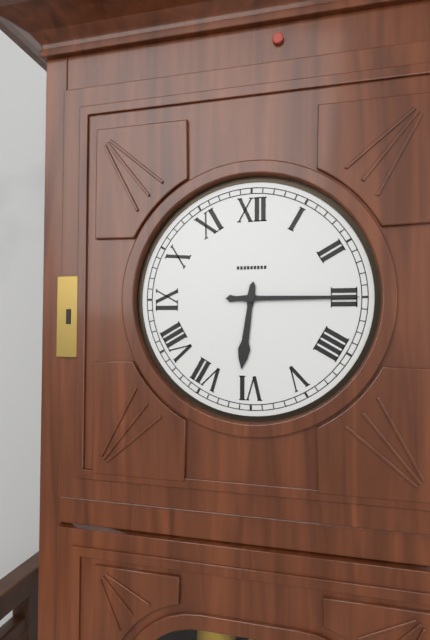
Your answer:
6:15
